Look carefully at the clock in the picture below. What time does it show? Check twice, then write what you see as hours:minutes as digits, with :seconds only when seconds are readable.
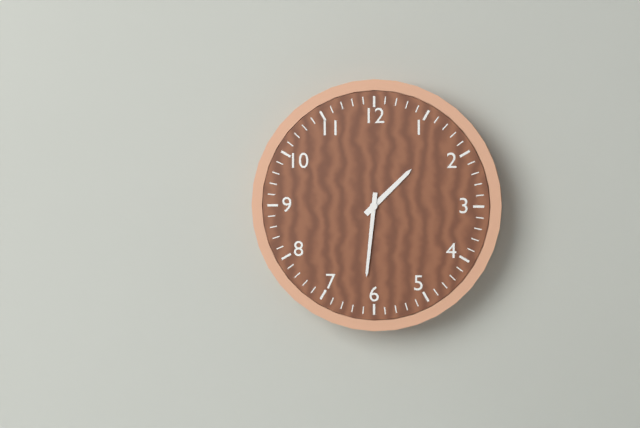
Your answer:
1:31
